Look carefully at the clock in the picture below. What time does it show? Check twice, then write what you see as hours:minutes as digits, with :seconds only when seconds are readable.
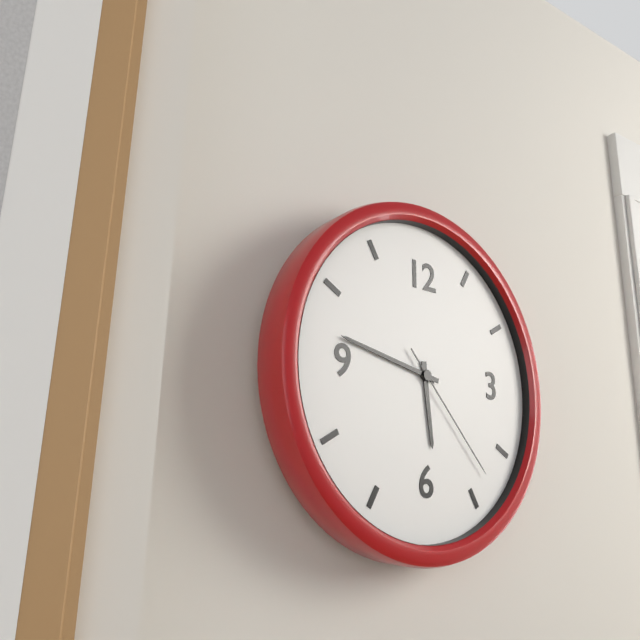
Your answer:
5:47:23
